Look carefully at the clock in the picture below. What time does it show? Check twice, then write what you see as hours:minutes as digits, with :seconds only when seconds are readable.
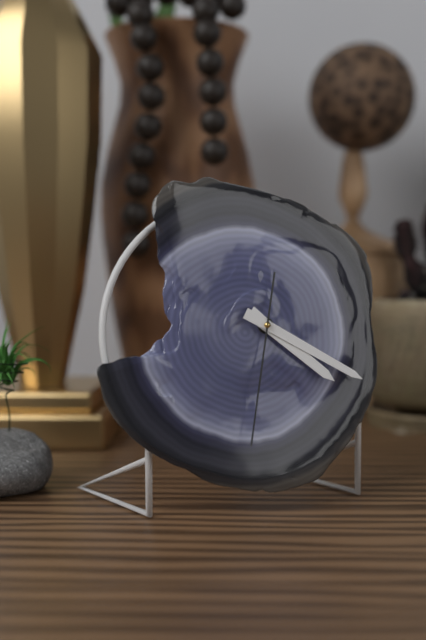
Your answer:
4:20:32
